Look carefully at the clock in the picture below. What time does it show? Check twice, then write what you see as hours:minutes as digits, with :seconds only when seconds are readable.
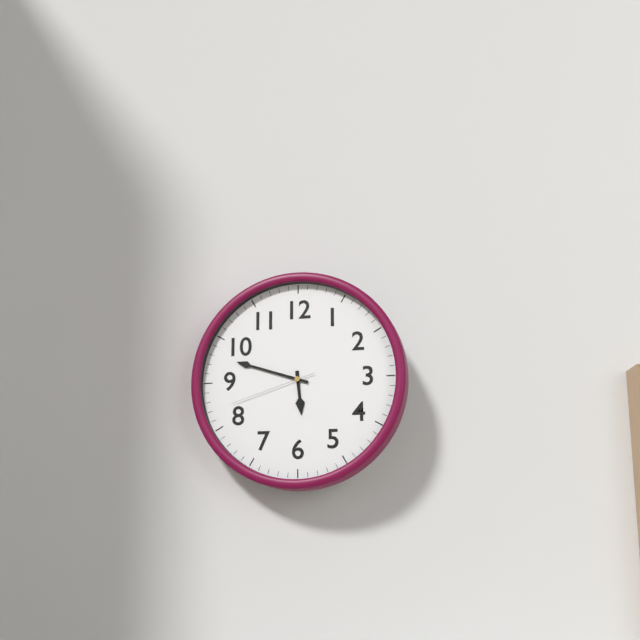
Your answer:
5:48:42
